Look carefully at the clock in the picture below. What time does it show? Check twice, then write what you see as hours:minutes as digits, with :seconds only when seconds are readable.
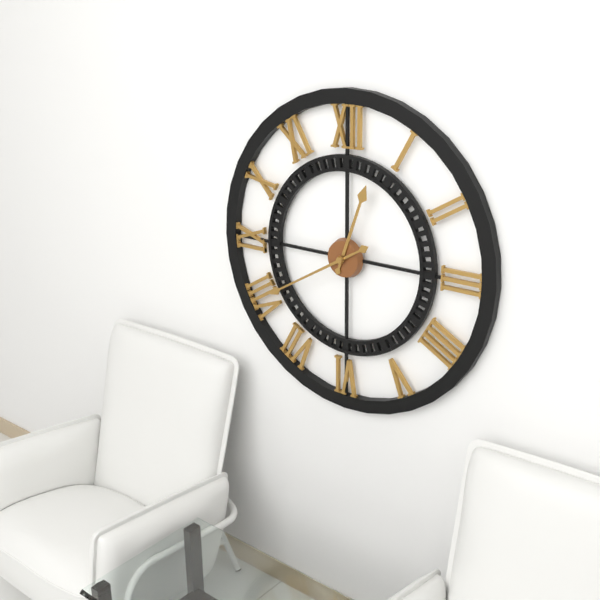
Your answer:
12:40
